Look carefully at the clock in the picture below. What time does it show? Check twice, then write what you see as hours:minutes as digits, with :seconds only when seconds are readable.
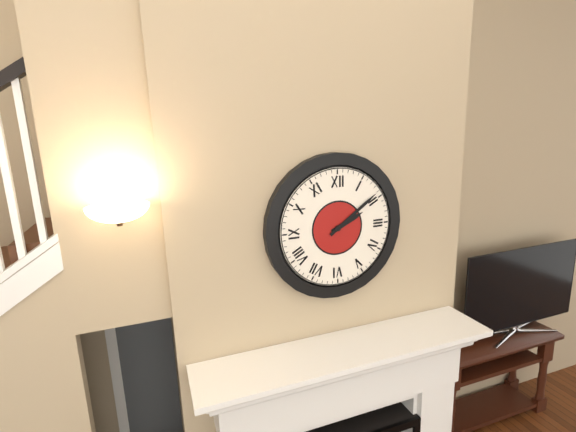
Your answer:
2:09
